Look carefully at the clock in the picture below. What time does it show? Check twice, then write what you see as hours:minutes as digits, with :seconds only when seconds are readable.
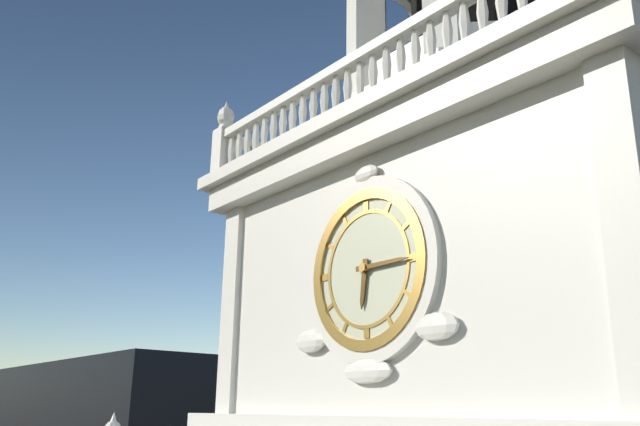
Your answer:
6:15
